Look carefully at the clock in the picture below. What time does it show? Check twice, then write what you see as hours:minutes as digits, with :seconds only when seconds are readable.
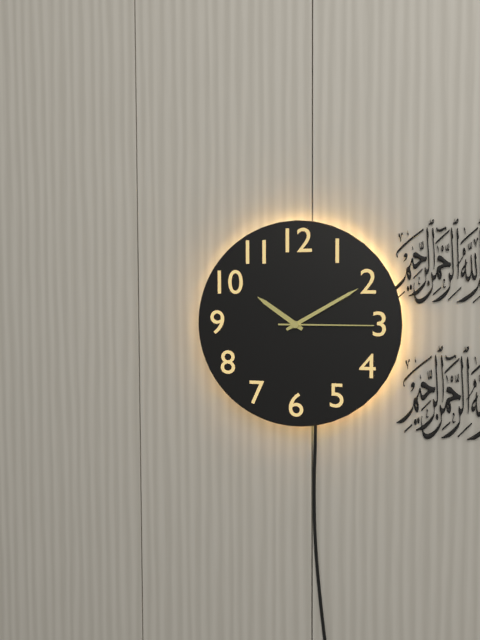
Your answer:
10:10:15
